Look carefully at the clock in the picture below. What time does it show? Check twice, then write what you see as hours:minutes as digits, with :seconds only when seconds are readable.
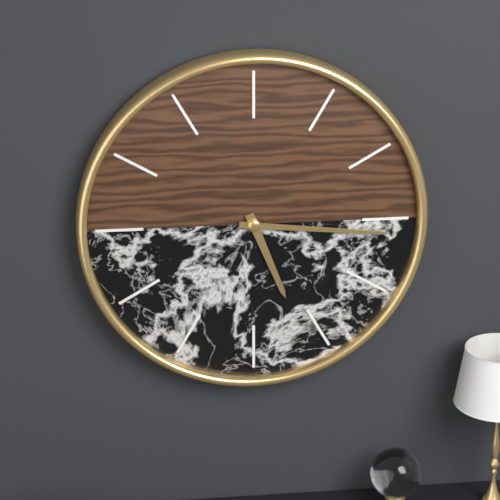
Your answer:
5:16
